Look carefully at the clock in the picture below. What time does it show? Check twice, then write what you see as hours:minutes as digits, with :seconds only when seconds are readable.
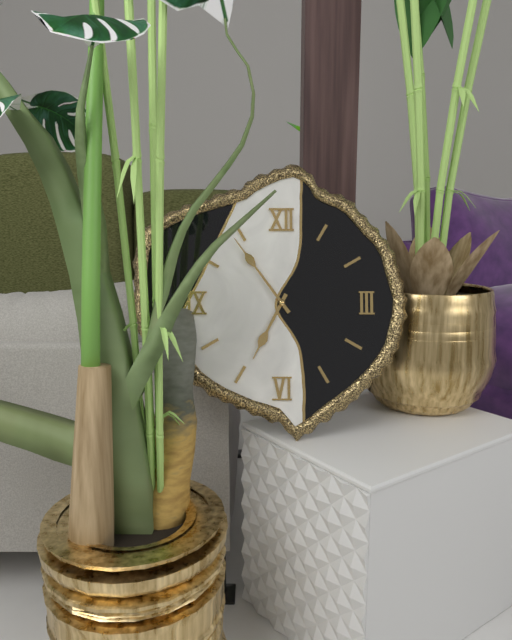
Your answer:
6:54
